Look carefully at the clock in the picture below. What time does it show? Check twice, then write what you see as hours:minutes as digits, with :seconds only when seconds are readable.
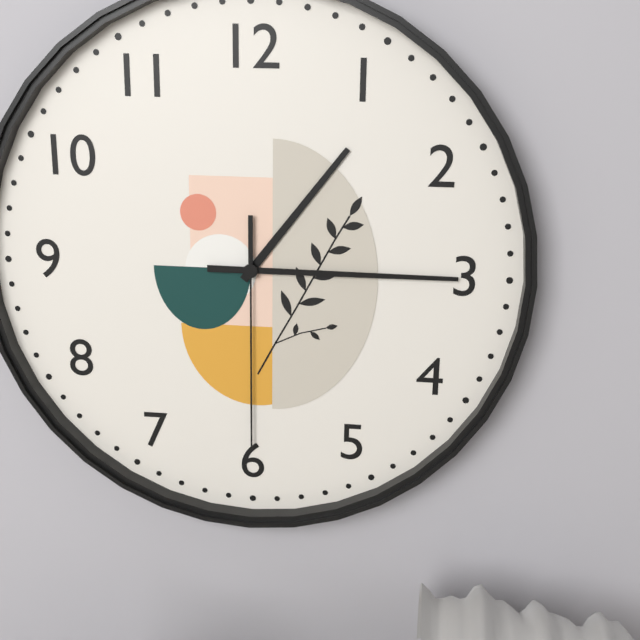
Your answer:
1:15:30
